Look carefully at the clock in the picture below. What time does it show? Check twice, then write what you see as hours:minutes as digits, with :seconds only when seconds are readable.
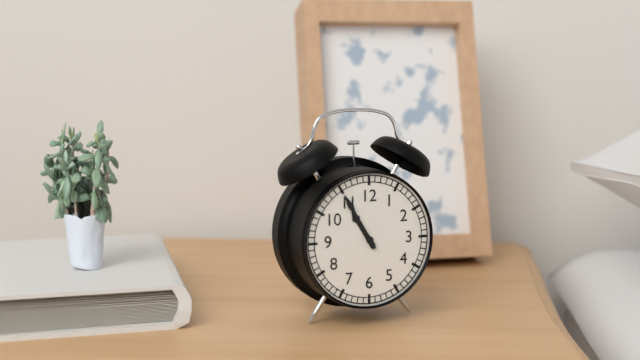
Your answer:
10:55
